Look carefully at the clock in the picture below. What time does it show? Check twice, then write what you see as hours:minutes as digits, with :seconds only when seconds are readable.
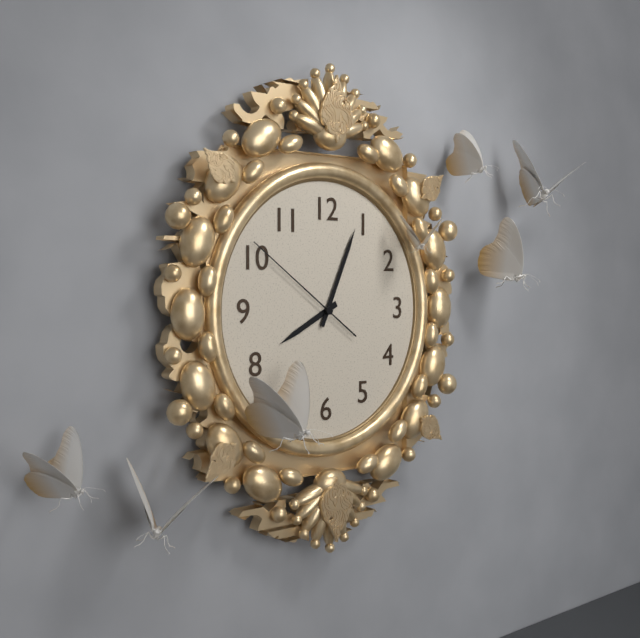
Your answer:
8:04:51
